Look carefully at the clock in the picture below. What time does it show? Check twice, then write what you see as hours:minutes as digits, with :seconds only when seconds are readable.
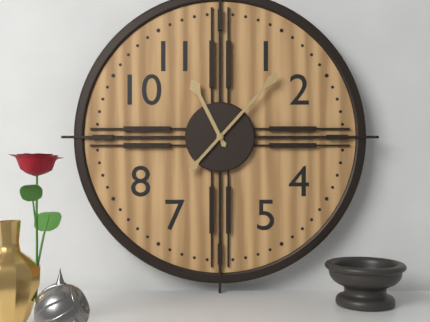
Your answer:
11:07
